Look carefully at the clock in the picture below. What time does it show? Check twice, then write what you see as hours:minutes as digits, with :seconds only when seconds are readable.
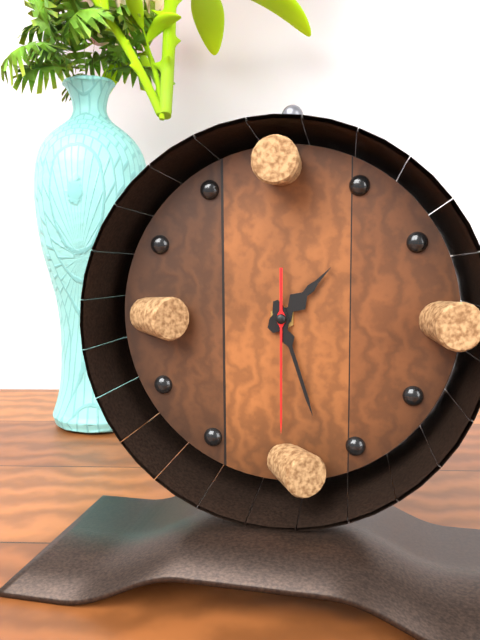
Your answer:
1:27:30
